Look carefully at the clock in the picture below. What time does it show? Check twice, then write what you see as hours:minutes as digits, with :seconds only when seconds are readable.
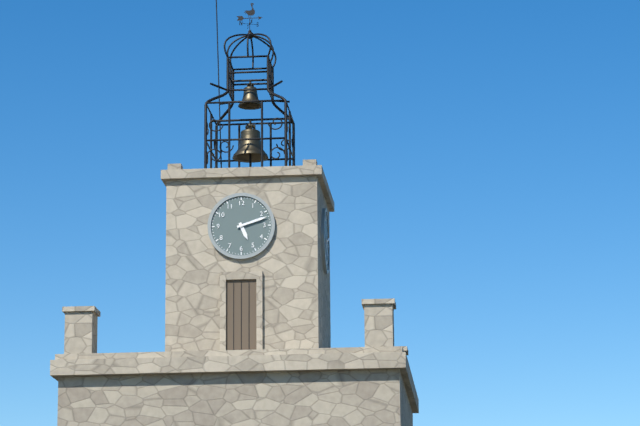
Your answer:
5:12
